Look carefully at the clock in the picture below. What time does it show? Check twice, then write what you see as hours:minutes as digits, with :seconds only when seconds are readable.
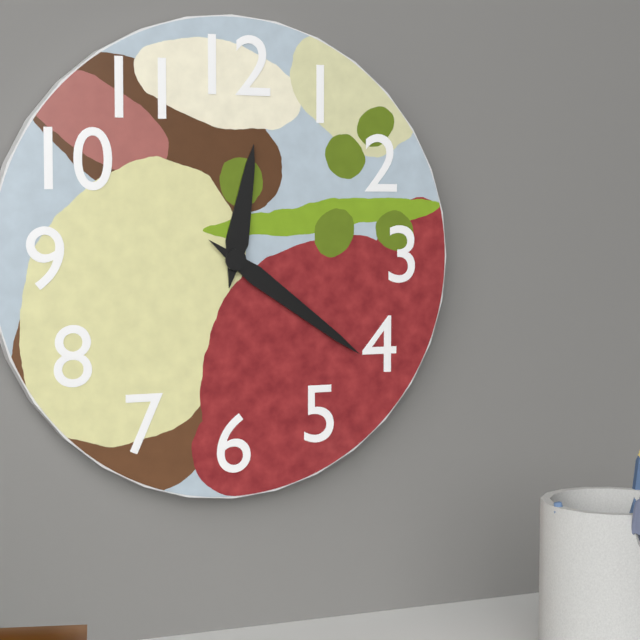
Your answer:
12:21
